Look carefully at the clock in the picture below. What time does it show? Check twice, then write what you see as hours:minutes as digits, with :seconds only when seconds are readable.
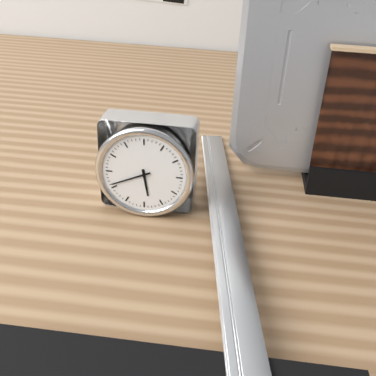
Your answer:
5:41
